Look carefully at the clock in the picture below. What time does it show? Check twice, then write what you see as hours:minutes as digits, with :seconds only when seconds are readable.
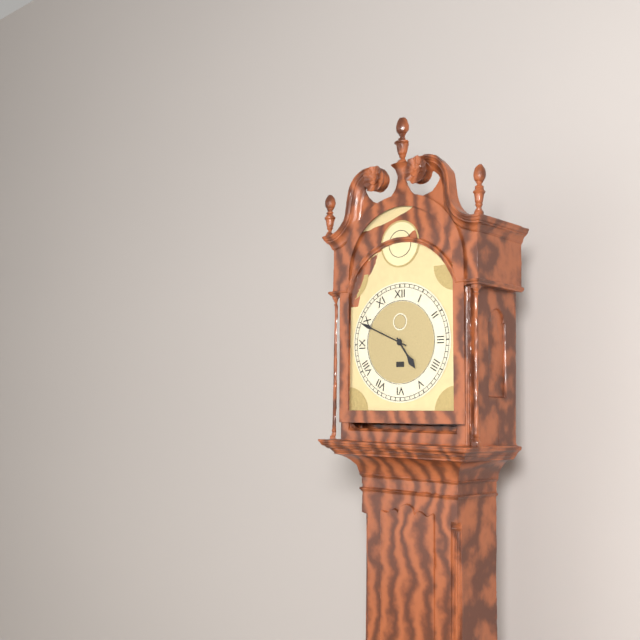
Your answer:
4:49
